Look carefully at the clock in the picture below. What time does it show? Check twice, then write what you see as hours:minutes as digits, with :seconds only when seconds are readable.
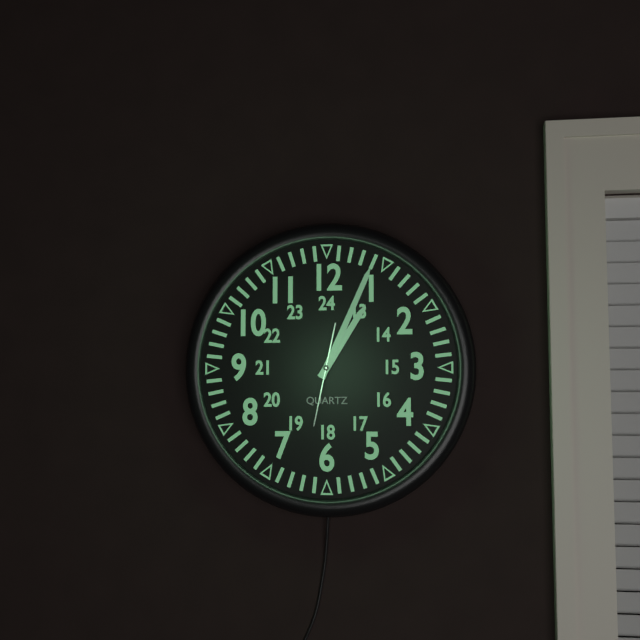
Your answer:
1:04:32
